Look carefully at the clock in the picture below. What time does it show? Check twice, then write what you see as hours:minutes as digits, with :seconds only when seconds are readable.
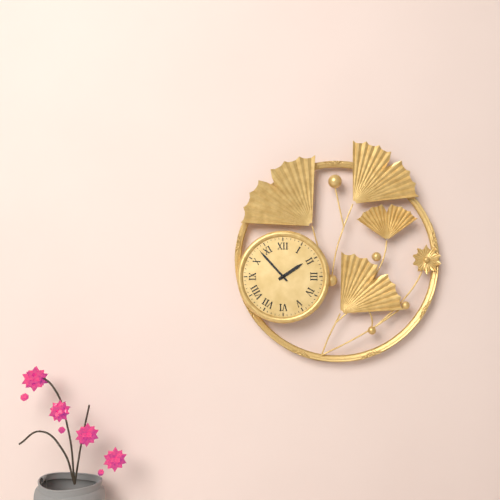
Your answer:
1:53
